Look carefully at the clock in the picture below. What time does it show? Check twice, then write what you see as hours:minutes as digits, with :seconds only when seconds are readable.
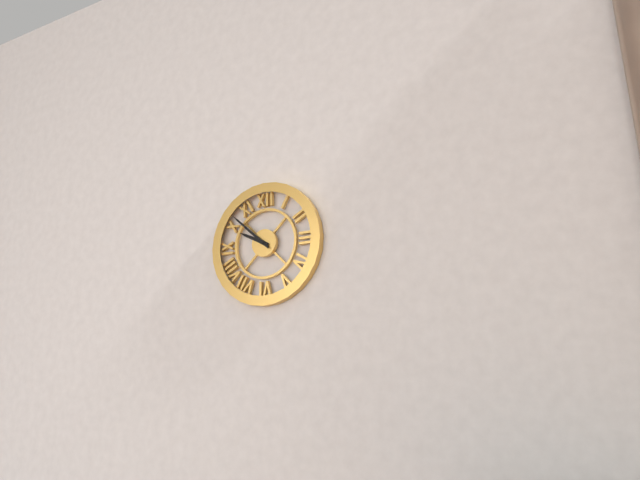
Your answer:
9:52
